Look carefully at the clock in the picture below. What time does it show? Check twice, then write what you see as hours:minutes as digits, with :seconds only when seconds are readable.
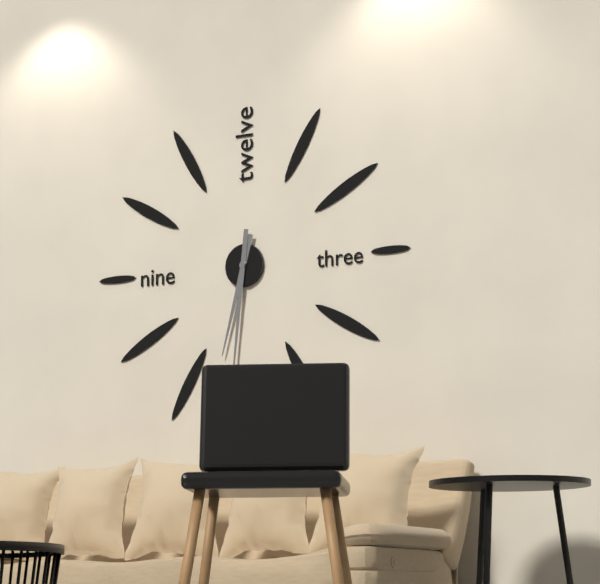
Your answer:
6:31
